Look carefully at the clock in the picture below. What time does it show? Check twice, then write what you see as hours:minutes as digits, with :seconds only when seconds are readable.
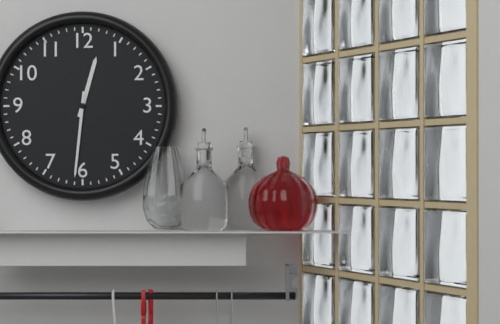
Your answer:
12:31
